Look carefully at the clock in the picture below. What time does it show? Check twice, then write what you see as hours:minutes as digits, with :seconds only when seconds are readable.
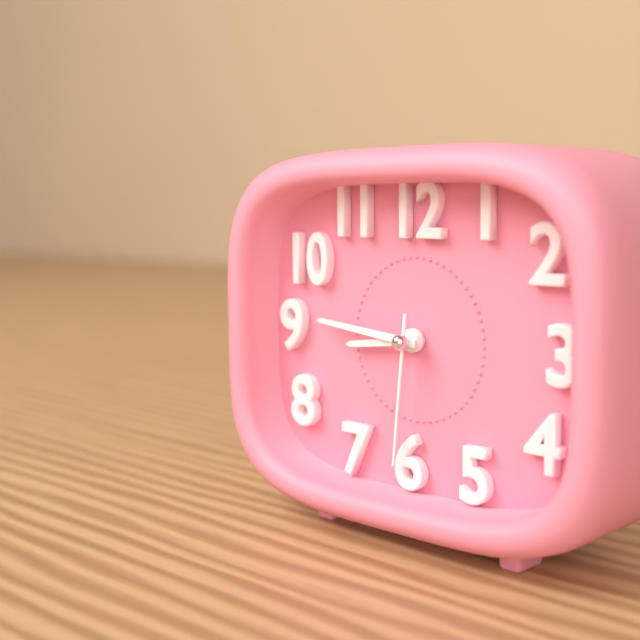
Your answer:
8:46:31
